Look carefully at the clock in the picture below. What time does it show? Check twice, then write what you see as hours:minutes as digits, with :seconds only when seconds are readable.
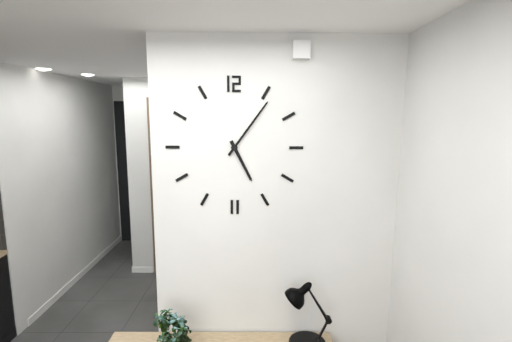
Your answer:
5:06
